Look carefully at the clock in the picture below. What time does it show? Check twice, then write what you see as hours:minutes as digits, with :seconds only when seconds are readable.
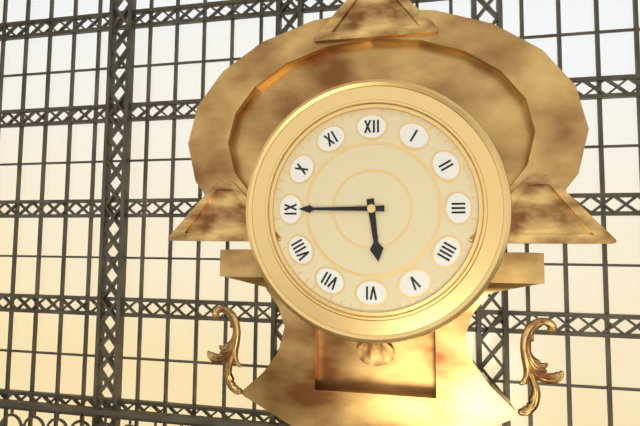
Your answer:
5:45
